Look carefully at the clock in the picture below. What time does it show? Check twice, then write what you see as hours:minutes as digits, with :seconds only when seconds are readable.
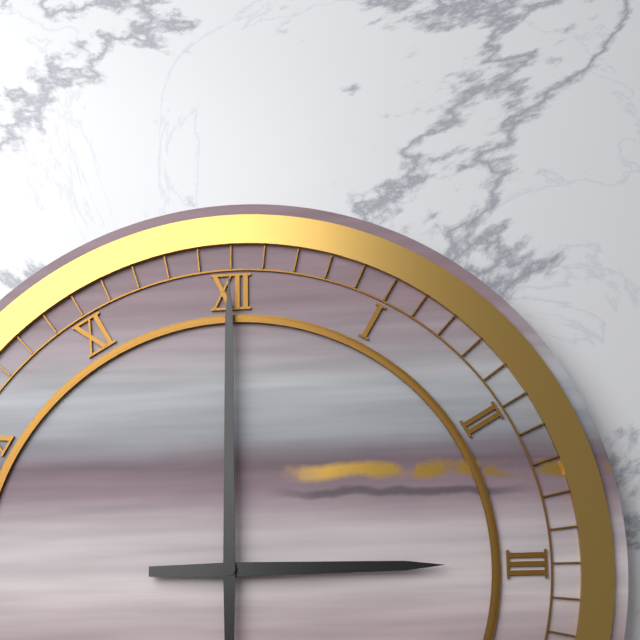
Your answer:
3:00
